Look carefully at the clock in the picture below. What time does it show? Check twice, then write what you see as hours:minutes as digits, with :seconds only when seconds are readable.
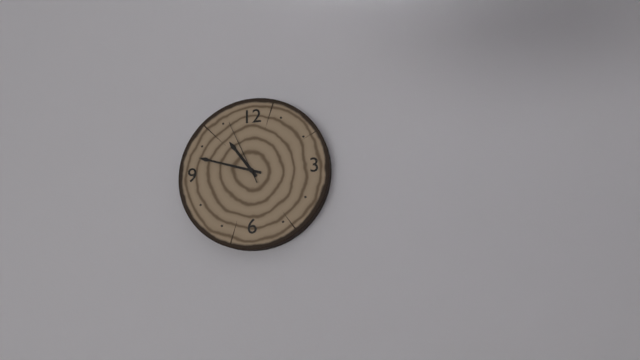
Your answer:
10:48:56
